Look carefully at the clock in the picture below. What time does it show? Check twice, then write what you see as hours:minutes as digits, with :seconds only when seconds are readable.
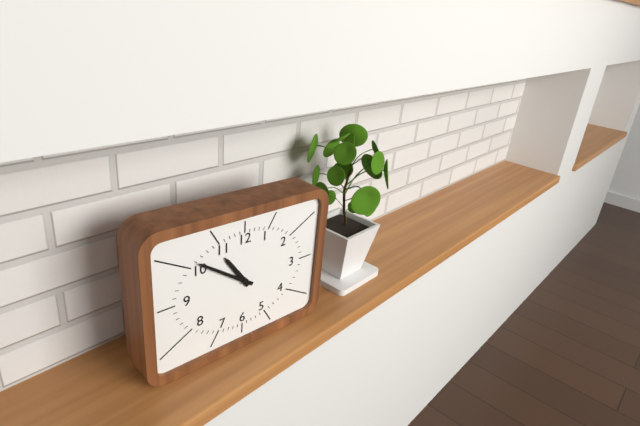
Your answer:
10:51
